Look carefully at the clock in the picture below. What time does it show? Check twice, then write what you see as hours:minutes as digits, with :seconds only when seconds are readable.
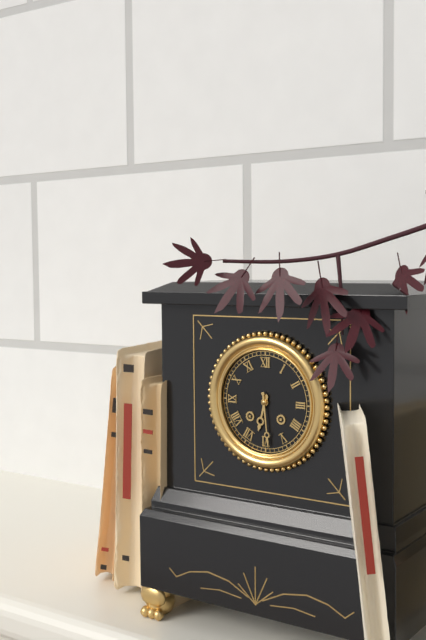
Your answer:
6:29
